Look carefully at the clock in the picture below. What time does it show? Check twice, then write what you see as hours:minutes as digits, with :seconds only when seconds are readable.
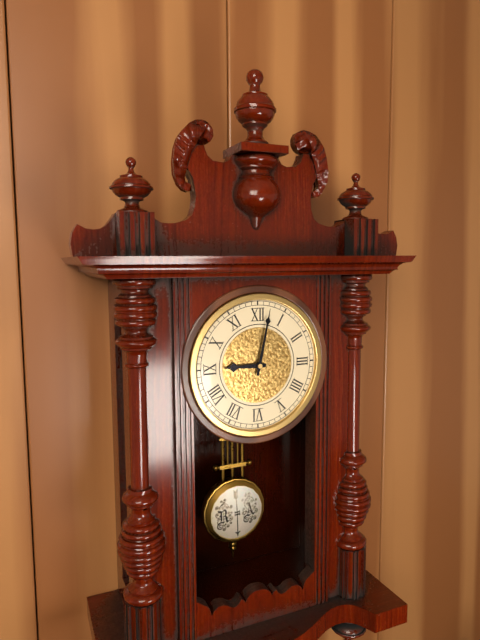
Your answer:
9:02
